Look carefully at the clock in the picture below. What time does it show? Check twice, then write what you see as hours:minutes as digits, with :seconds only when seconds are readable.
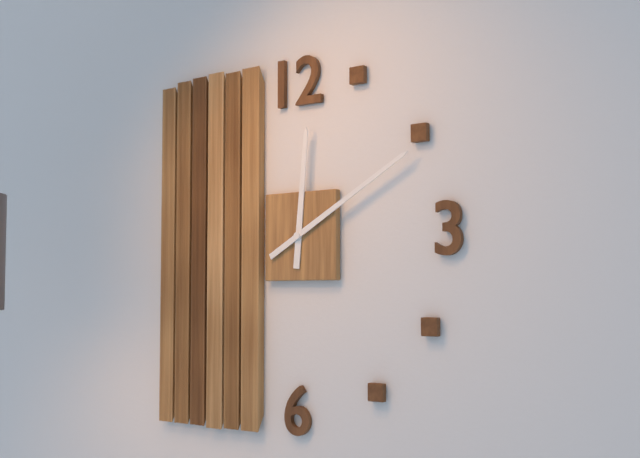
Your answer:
12:10
